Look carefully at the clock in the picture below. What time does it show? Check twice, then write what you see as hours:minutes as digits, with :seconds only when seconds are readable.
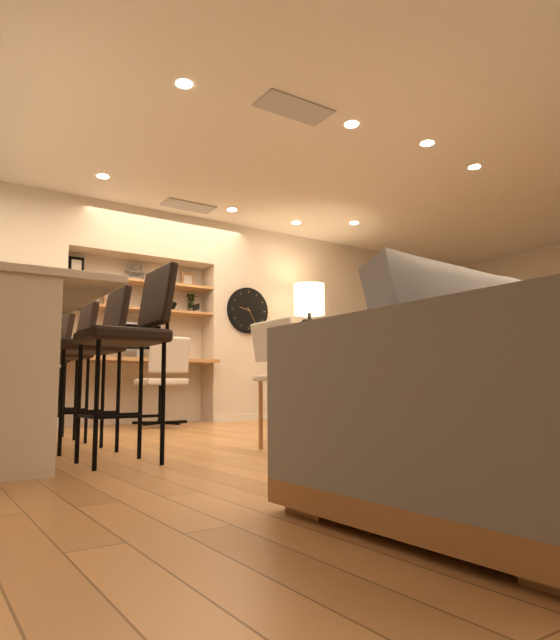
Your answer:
9:25
